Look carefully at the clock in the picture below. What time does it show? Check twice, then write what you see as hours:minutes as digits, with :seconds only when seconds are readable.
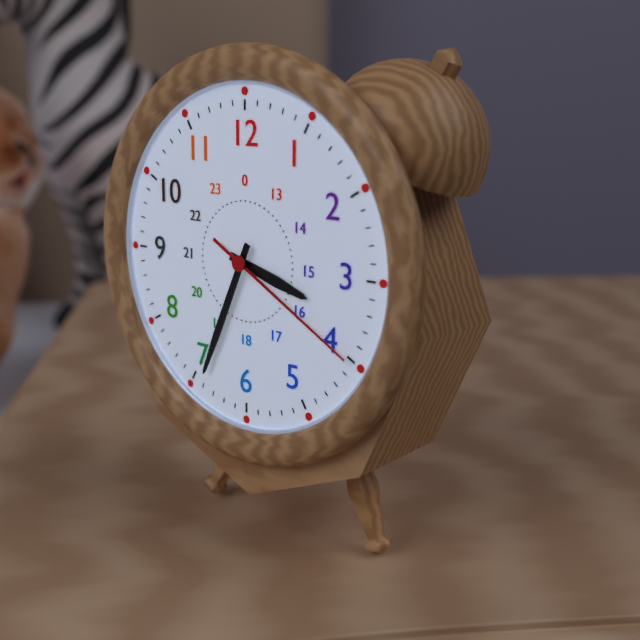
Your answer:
3:34:20
